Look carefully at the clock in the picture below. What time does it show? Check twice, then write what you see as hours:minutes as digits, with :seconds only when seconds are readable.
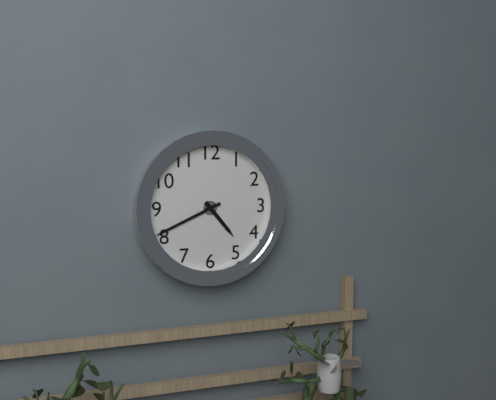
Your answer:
4:41
